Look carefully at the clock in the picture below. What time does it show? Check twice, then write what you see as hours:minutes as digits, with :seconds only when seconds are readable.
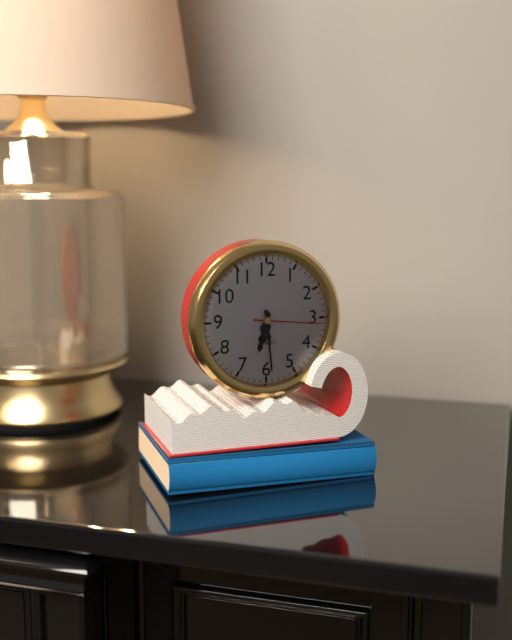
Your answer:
6:29:16
